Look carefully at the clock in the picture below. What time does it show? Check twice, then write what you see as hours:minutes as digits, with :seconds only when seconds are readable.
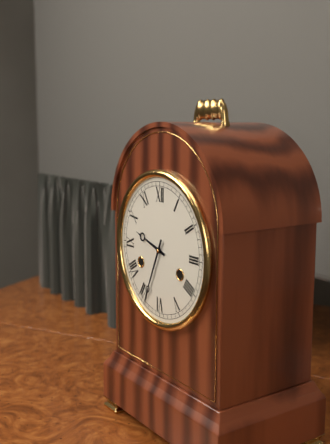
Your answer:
9:34
